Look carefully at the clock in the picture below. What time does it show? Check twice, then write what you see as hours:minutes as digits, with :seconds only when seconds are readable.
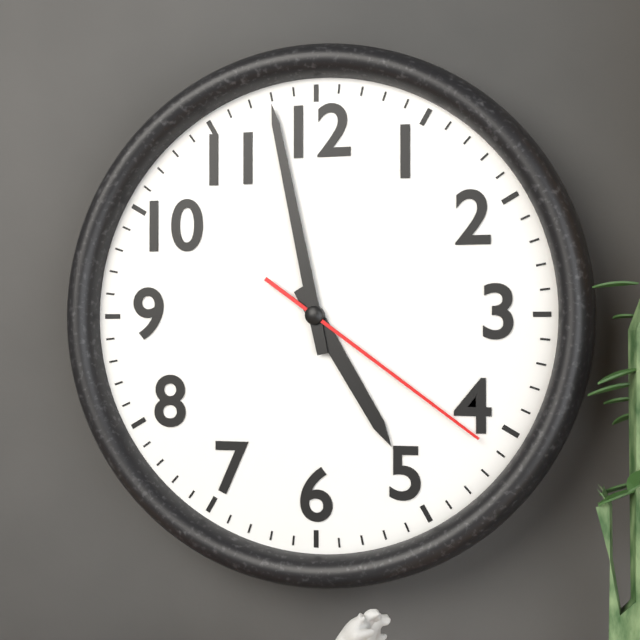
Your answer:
4:58:21
